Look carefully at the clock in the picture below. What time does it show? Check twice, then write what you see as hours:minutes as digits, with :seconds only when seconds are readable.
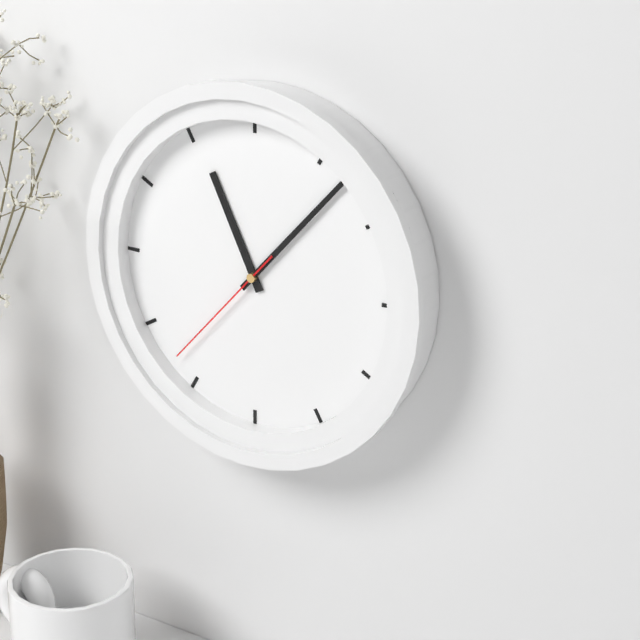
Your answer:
11:07:37
